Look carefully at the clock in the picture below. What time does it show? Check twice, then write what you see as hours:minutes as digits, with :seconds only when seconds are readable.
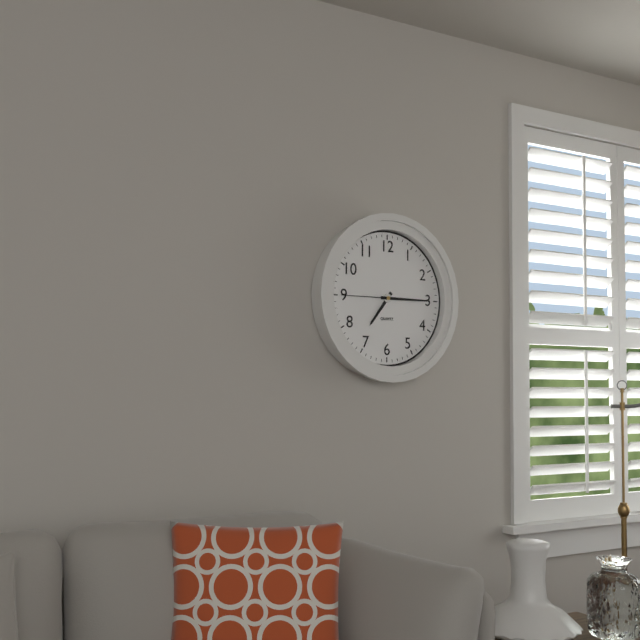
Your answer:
7:15:45
